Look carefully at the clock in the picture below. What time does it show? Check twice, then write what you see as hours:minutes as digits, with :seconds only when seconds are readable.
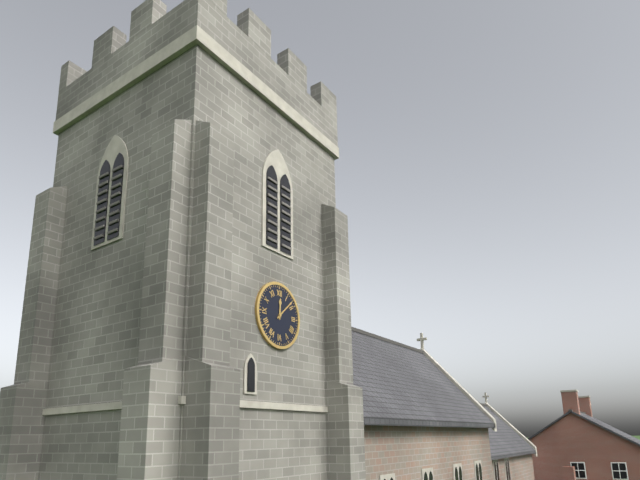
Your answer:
12:08
